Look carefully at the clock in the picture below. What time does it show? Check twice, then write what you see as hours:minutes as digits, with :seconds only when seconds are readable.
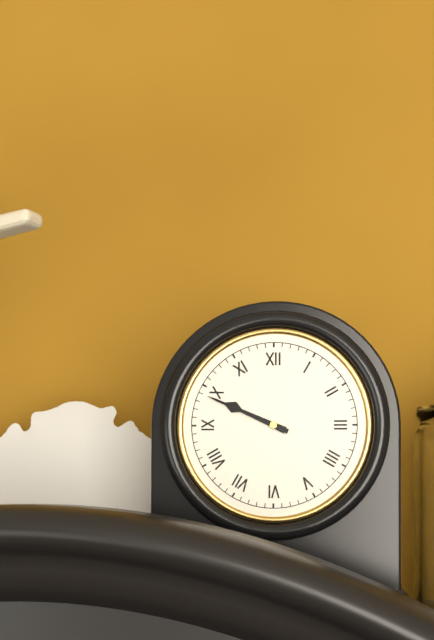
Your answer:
9:49
